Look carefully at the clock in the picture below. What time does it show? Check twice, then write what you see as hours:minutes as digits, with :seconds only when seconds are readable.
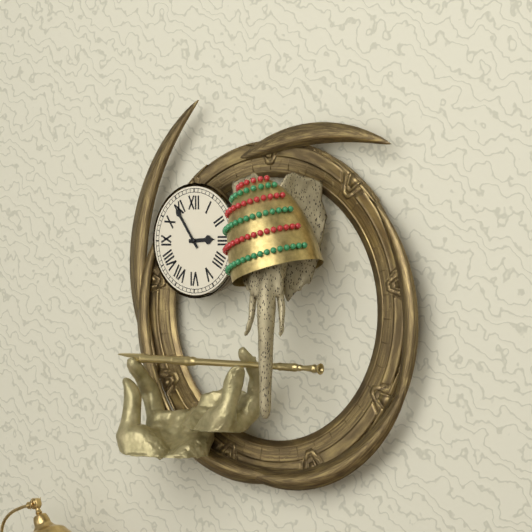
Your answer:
2:54
